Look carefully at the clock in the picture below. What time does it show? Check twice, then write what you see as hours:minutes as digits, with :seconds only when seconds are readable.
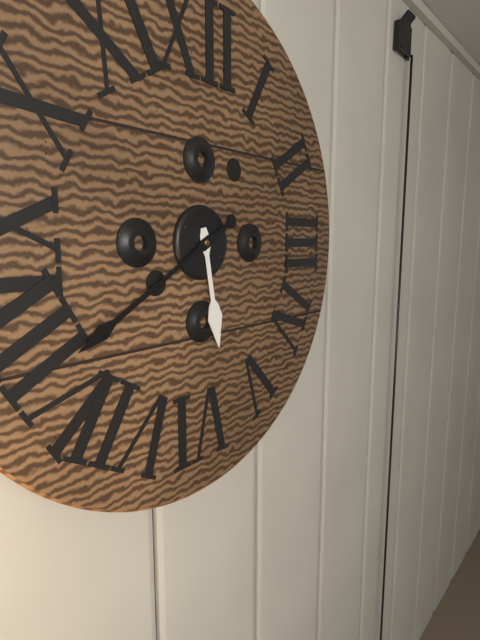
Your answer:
5:40
